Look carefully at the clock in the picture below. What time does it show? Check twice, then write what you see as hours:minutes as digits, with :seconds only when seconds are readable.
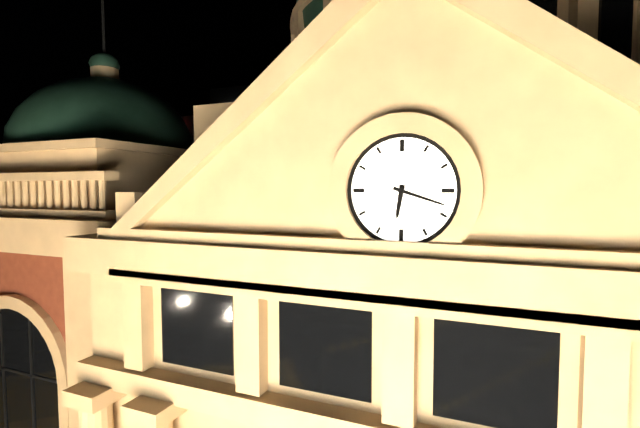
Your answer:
6:18
